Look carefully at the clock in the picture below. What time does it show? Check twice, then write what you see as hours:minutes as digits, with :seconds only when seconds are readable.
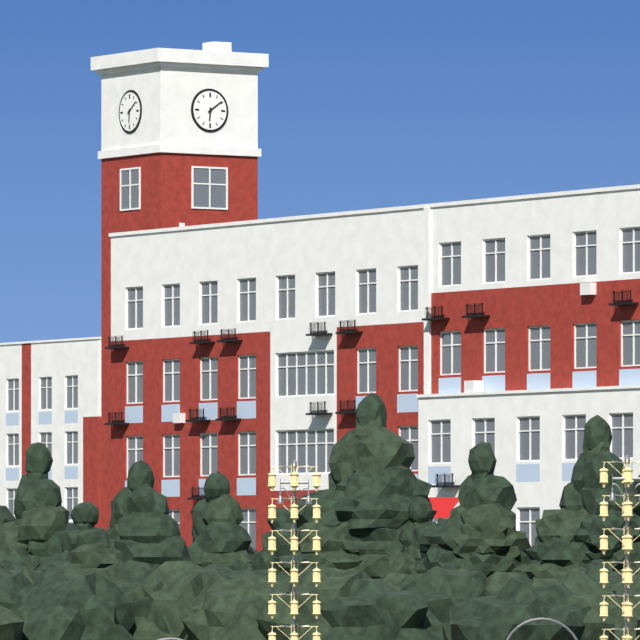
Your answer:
6:09
